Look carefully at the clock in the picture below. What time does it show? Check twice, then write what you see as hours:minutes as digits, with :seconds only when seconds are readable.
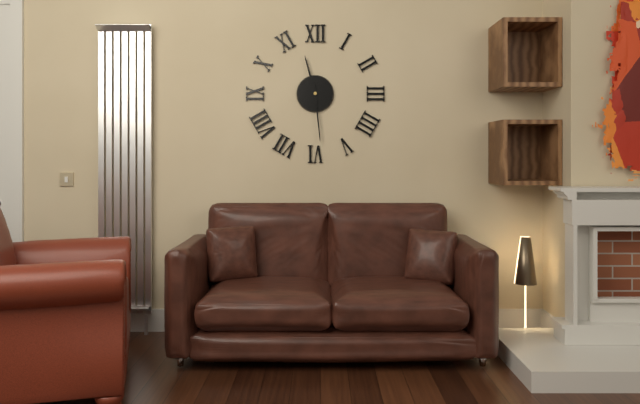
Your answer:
11:29
